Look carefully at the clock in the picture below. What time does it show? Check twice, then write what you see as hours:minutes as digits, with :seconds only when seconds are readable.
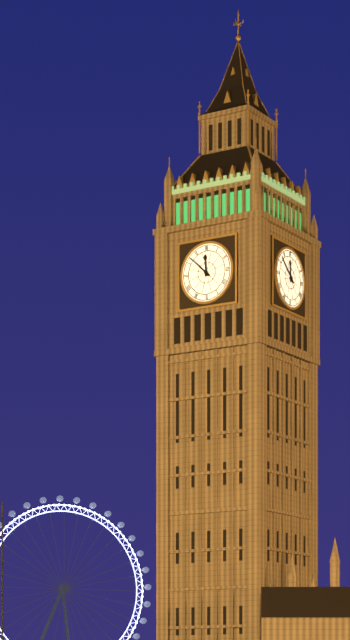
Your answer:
11:52
